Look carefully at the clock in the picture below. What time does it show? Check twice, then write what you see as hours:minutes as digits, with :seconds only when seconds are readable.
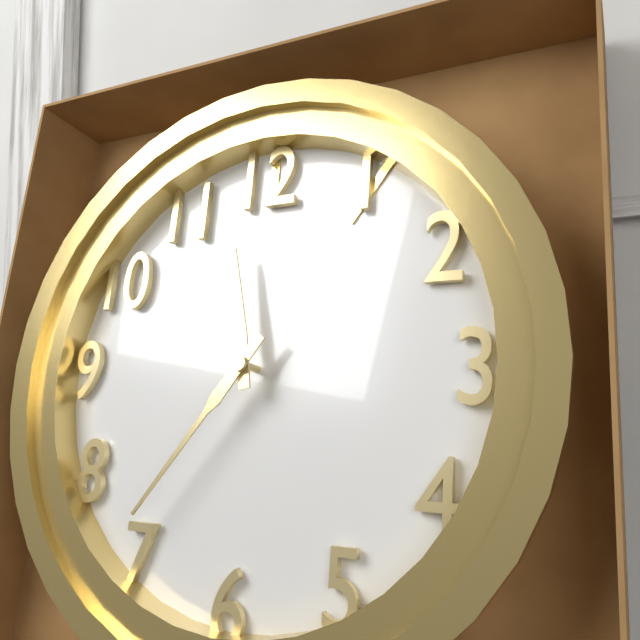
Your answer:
11:36
